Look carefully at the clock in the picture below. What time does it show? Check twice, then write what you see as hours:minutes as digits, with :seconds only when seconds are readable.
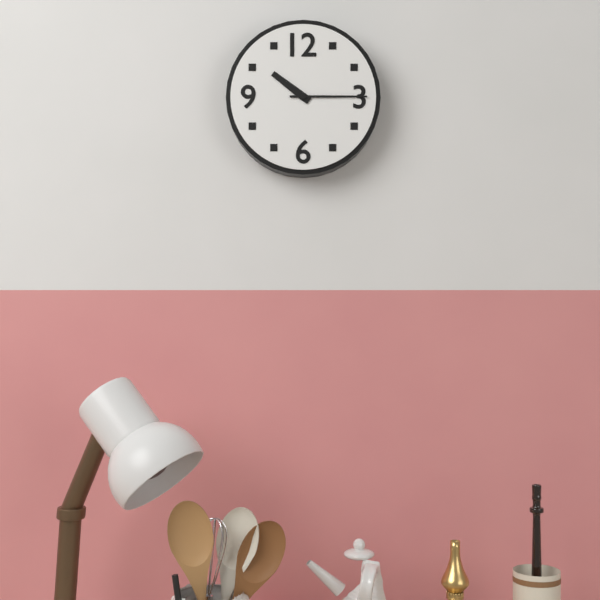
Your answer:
10:15
